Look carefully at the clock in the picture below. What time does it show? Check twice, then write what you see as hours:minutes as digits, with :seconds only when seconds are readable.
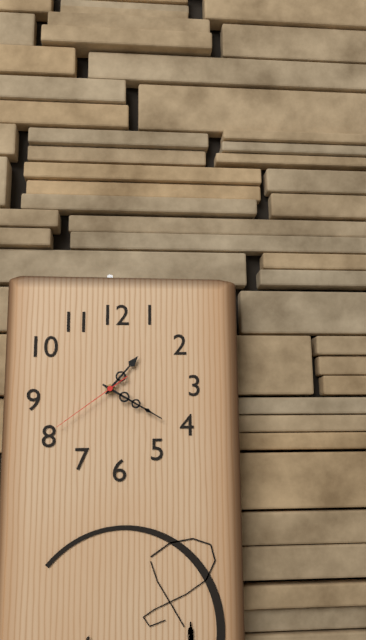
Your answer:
1:20:39
